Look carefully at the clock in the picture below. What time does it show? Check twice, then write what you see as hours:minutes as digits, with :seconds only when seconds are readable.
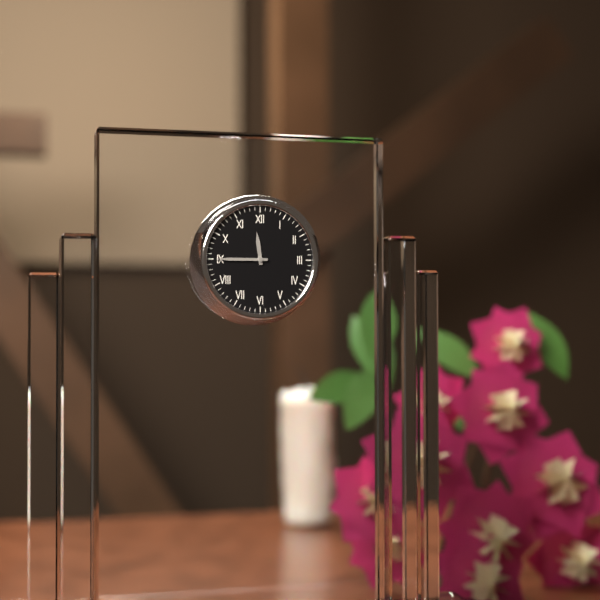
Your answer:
11:45
